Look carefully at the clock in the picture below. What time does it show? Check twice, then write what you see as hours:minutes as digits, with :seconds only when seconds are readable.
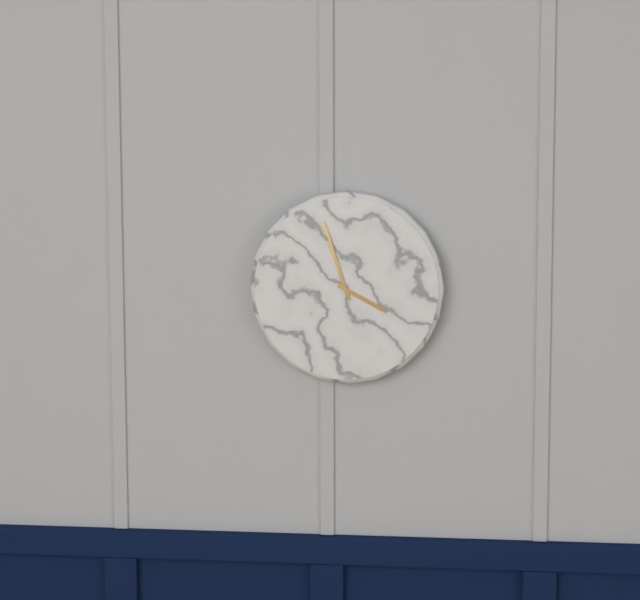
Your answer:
3:57
